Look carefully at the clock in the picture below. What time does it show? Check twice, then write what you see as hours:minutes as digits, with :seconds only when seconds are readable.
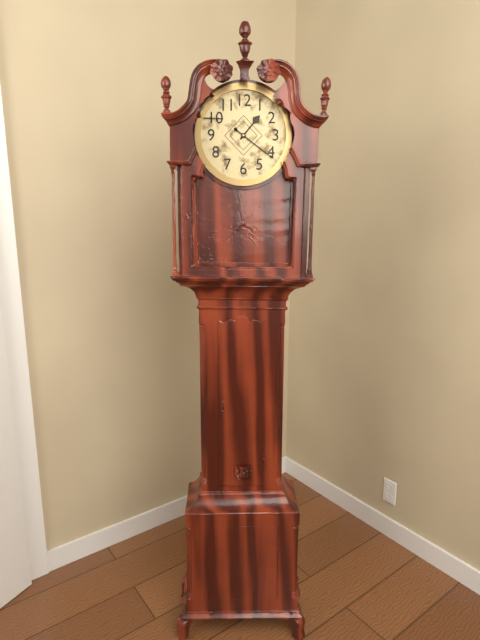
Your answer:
1:21
